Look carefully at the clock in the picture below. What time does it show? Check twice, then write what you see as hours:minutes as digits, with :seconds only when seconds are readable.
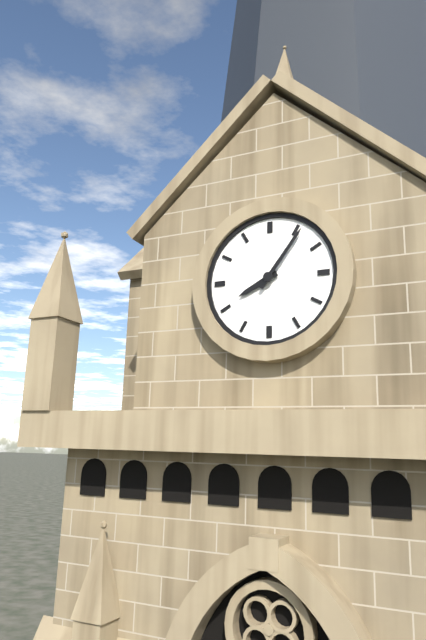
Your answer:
8:06
